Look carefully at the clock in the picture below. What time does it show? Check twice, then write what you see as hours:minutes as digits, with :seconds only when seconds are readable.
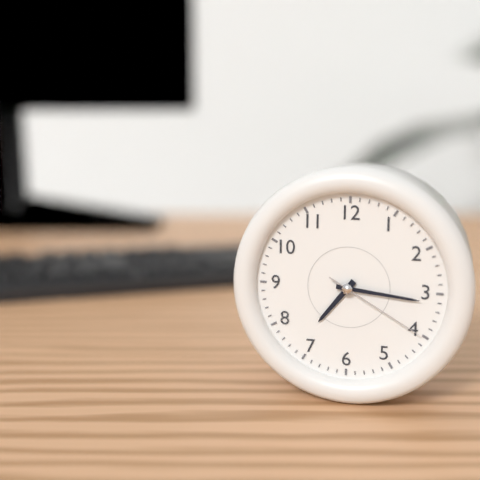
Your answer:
7:16:20
